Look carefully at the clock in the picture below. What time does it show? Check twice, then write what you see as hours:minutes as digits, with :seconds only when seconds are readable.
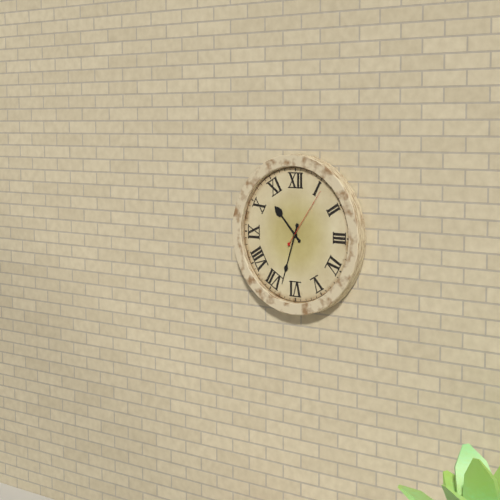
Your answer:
10:33:06
